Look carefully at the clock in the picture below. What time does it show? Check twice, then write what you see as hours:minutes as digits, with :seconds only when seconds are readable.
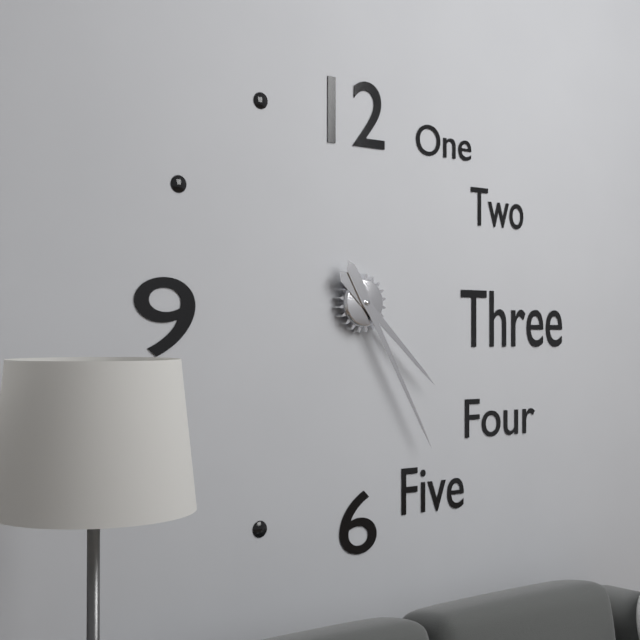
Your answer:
4:25
